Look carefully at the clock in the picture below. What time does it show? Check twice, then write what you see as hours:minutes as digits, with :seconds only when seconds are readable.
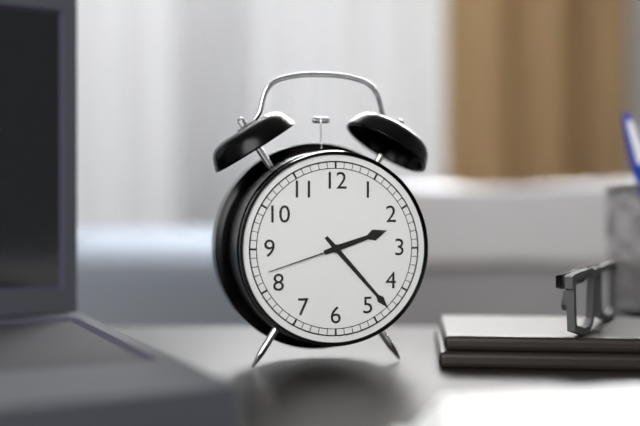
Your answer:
2:23:42
